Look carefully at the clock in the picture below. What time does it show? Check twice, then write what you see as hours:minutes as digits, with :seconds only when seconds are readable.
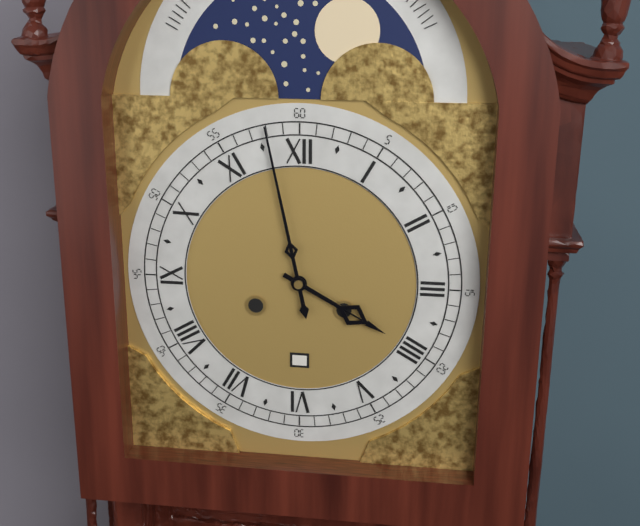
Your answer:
3:58
